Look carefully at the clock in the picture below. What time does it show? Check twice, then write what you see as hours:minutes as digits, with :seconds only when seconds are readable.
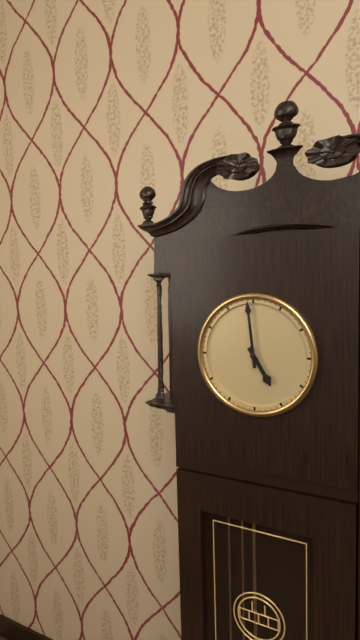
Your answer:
4:59
